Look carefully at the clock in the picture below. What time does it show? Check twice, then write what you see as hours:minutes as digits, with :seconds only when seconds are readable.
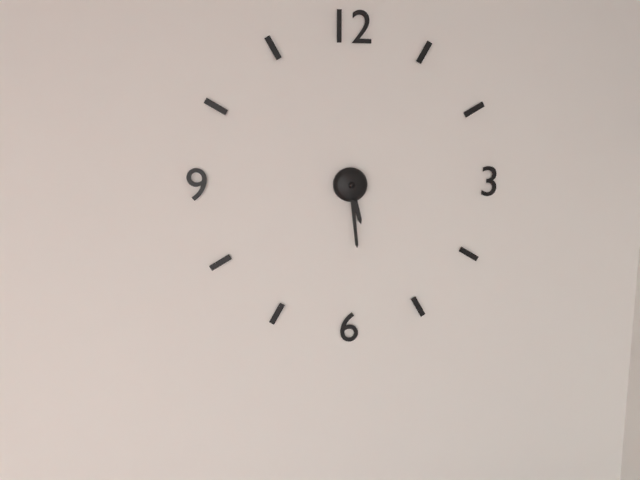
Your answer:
5:29
